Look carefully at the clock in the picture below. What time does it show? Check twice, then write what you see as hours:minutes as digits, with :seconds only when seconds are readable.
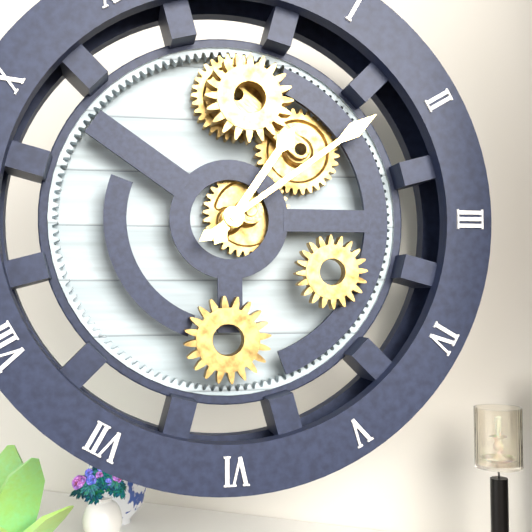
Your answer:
1:09
